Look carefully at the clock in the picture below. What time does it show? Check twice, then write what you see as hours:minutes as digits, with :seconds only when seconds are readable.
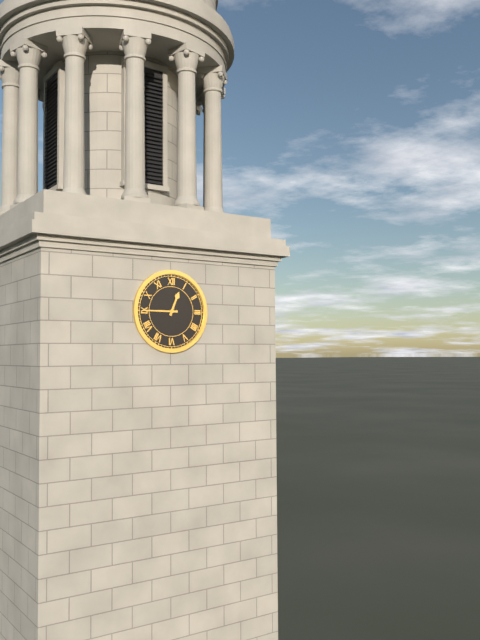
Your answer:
12:45
